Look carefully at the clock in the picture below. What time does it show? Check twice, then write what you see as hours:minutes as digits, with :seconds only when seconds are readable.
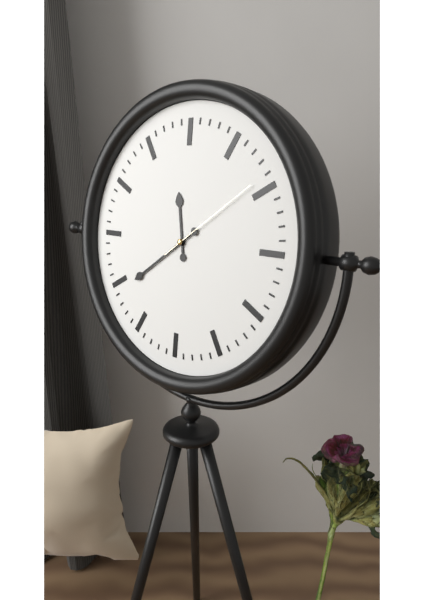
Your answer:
11:39:09
